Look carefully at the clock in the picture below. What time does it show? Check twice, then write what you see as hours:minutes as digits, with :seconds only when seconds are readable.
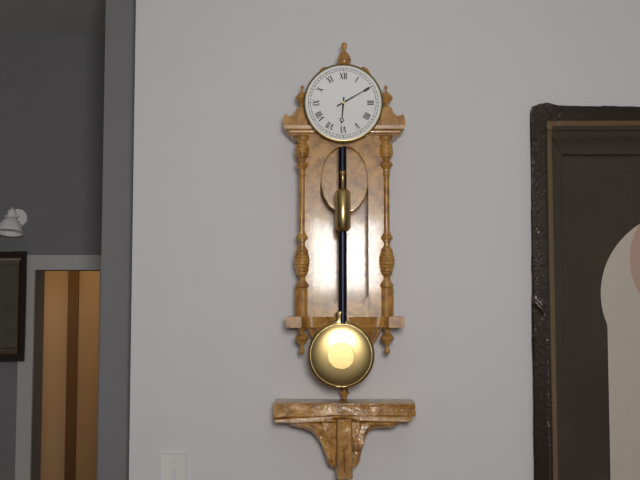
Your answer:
6:10
